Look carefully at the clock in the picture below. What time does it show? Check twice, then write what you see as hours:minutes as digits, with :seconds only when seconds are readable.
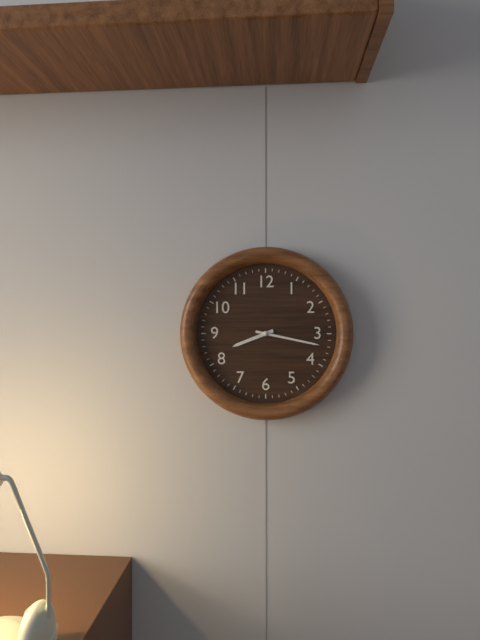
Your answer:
8:17
